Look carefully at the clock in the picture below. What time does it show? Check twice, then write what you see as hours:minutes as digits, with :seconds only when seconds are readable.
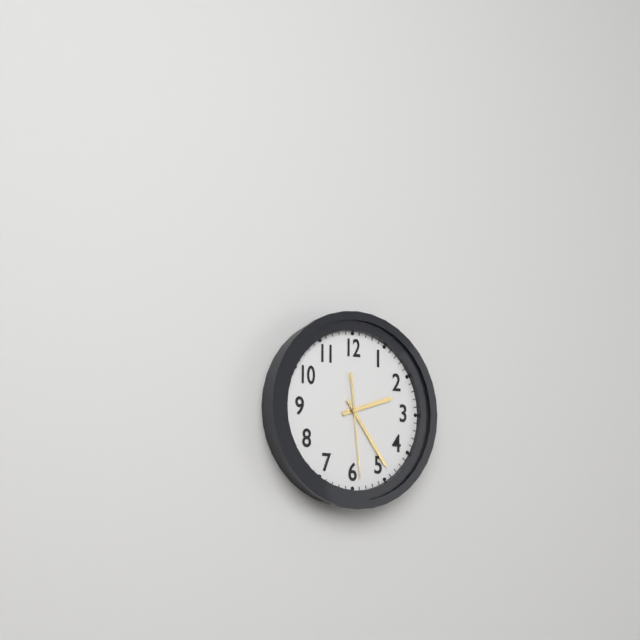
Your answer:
2:24:29
